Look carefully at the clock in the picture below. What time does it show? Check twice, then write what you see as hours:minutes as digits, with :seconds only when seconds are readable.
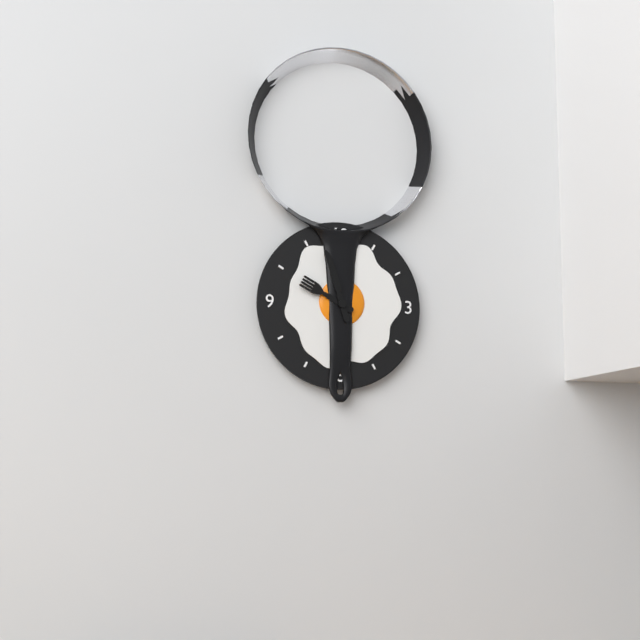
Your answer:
9:57
